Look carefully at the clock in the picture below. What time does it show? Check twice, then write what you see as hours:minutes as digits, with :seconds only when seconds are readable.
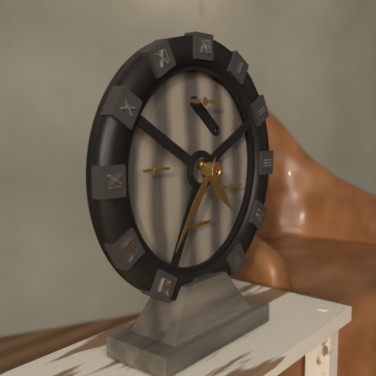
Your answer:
4:36
